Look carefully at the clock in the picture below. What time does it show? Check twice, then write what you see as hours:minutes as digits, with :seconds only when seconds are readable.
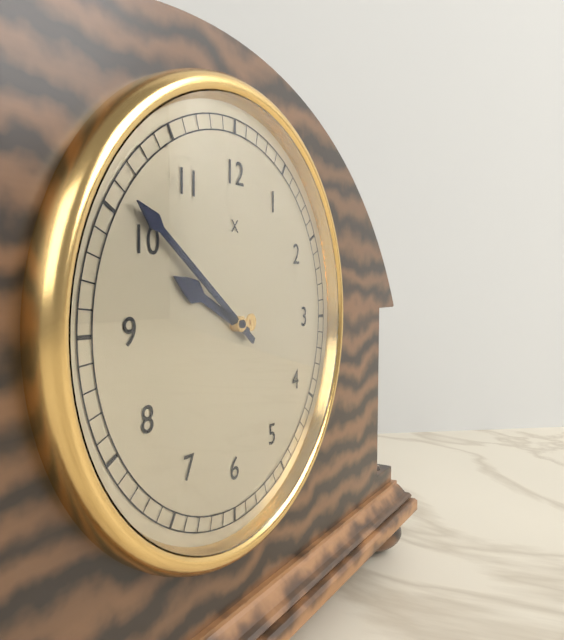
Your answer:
9:51
